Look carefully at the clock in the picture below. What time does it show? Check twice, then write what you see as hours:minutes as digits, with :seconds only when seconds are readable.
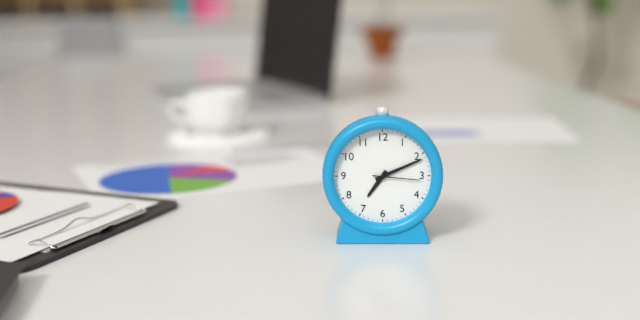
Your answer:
7:11
